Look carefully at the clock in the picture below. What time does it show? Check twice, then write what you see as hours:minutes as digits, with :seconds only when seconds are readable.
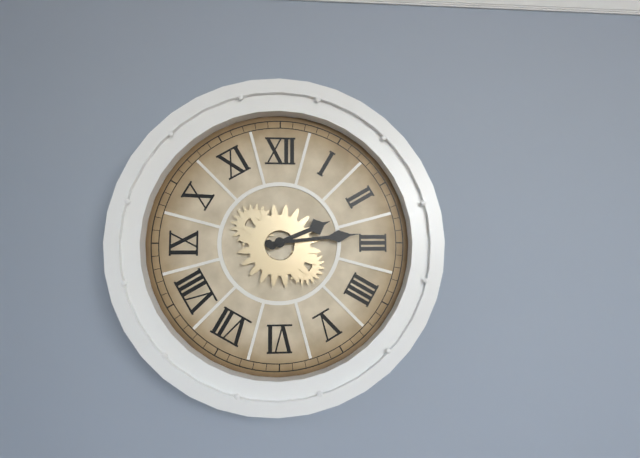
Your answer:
2:14
